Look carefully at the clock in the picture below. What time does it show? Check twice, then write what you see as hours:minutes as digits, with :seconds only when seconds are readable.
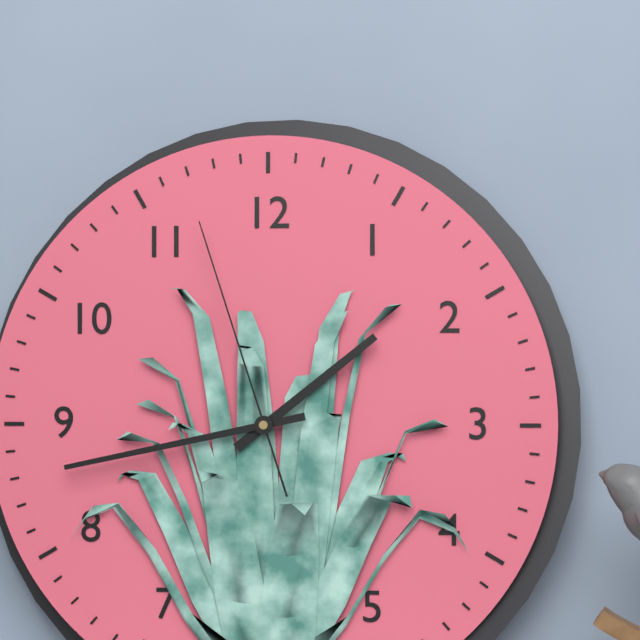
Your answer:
1:43:57
